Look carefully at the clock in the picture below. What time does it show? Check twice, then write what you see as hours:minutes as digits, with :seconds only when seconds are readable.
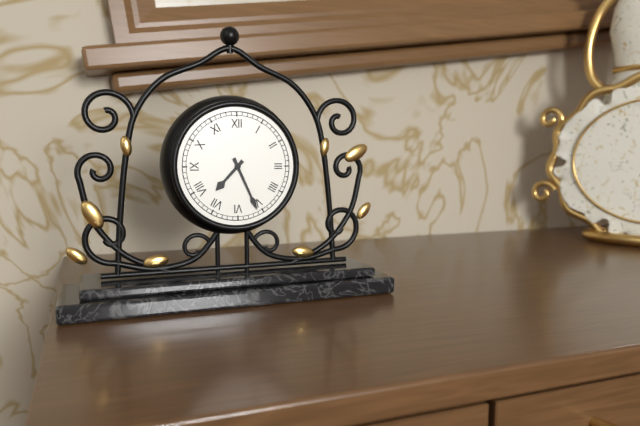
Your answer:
7:26
